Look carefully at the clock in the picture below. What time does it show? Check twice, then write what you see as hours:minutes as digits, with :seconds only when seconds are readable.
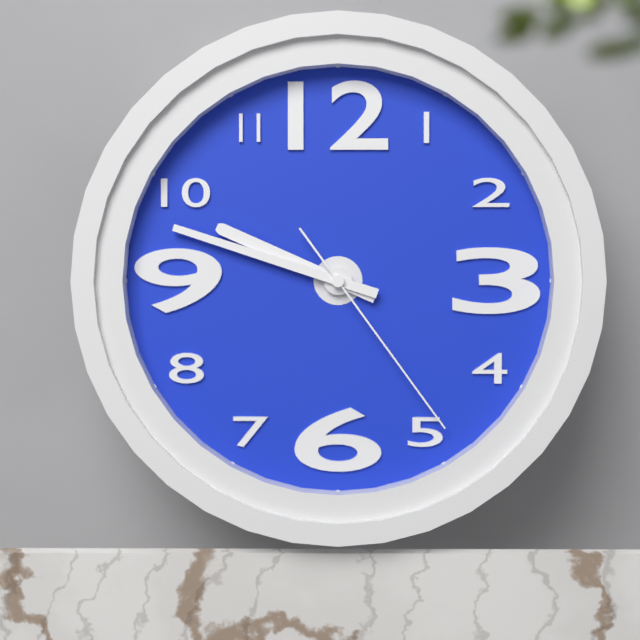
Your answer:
9:48:24
